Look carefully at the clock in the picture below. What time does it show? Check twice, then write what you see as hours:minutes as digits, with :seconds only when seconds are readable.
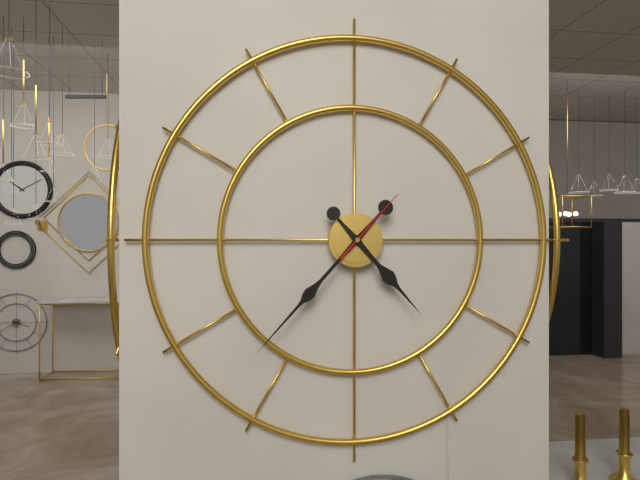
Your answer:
4:37:07
